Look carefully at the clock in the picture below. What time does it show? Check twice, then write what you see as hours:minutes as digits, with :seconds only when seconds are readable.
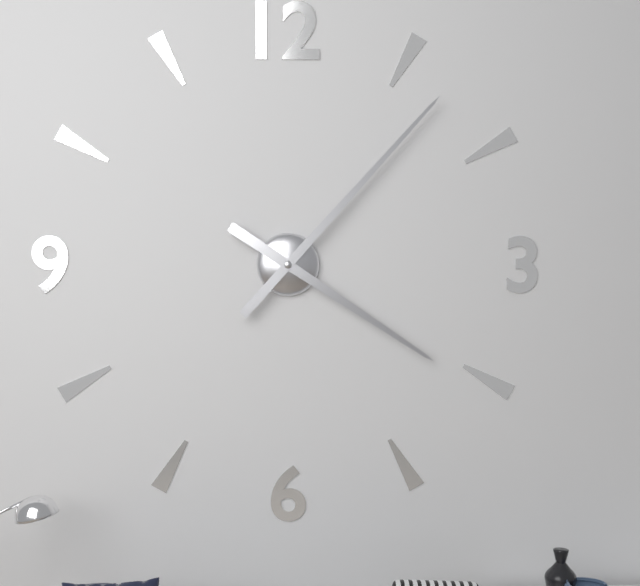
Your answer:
4:07
